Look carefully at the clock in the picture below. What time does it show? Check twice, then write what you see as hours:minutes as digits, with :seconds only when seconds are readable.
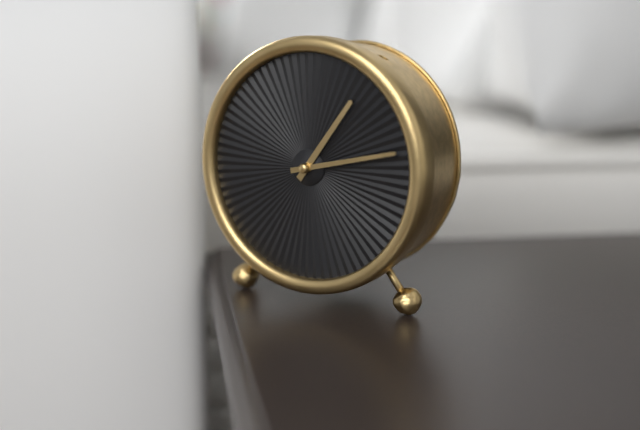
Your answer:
1:13
